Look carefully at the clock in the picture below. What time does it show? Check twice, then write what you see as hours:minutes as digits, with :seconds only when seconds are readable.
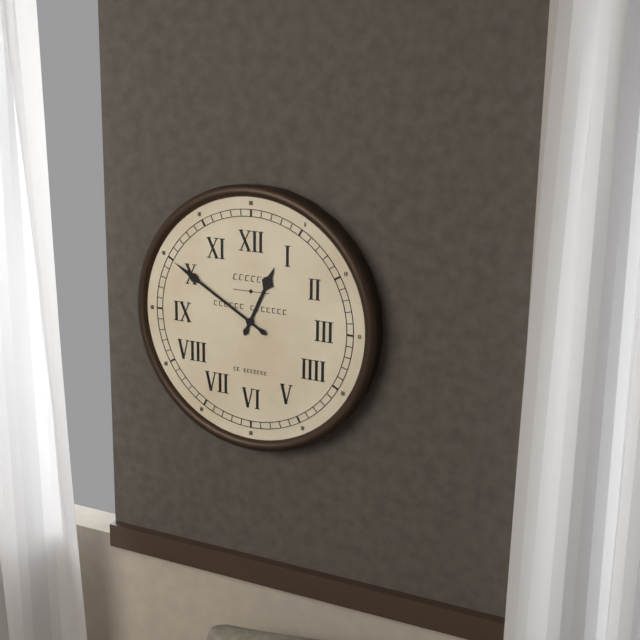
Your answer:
12:50
